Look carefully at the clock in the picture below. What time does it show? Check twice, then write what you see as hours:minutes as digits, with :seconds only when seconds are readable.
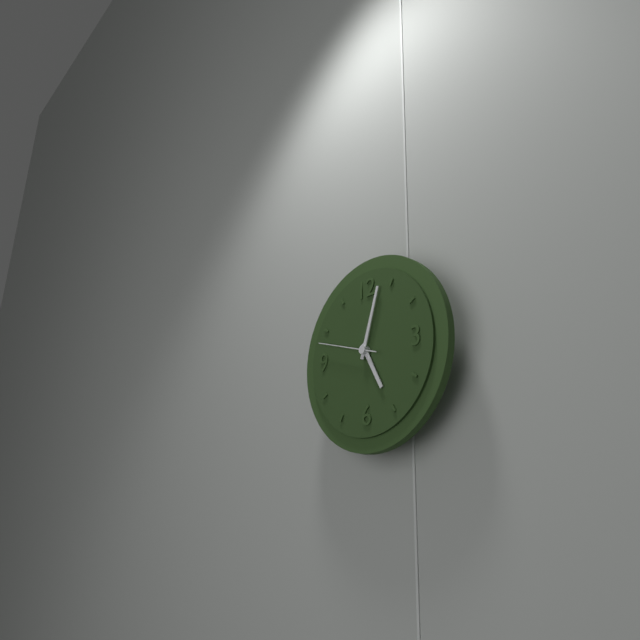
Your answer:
5:03:48
